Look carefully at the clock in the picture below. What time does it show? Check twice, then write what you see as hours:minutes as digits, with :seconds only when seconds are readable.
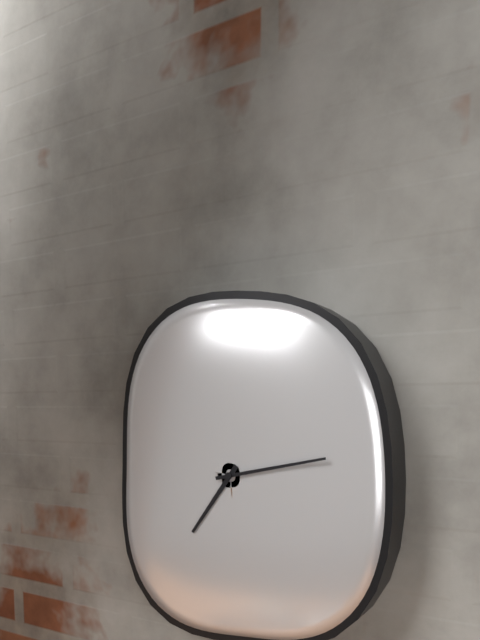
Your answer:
7:13
